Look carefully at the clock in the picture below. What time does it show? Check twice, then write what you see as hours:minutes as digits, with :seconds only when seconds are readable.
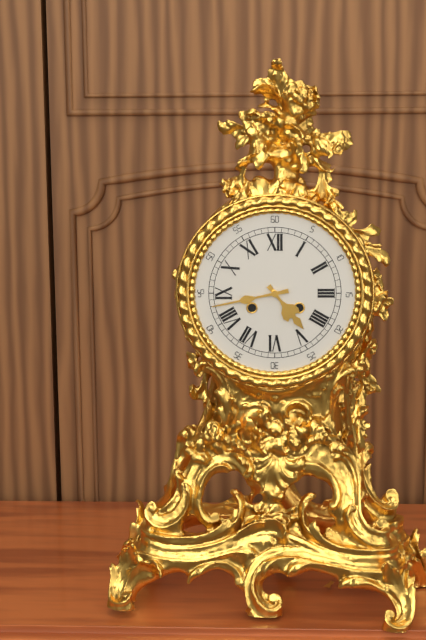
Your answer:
4:43
